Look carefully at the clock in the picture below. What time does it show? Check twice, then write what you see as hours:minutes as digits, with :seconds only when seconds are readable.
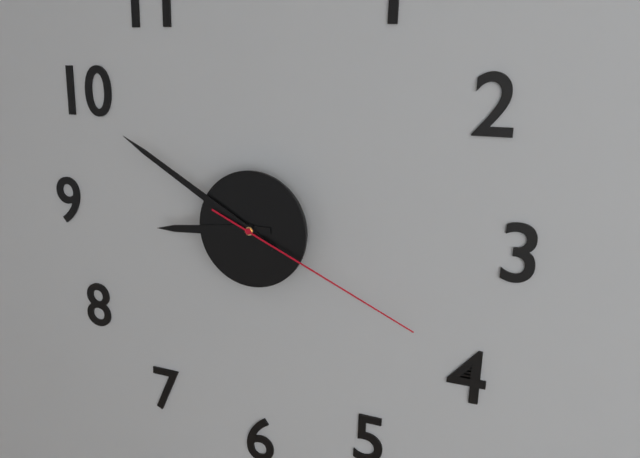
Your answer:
8:50:19
